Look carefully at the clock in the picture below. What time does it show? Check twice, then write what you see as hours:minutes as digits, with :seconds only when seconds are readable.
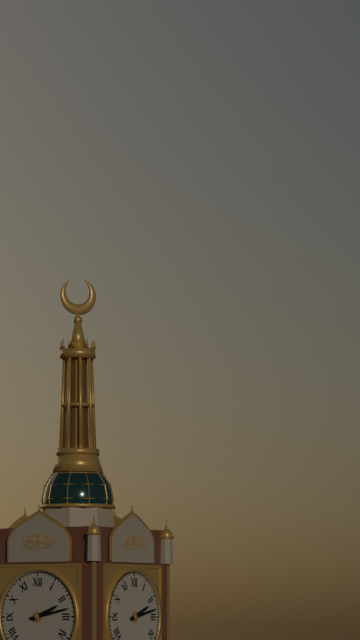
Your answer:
2:13
